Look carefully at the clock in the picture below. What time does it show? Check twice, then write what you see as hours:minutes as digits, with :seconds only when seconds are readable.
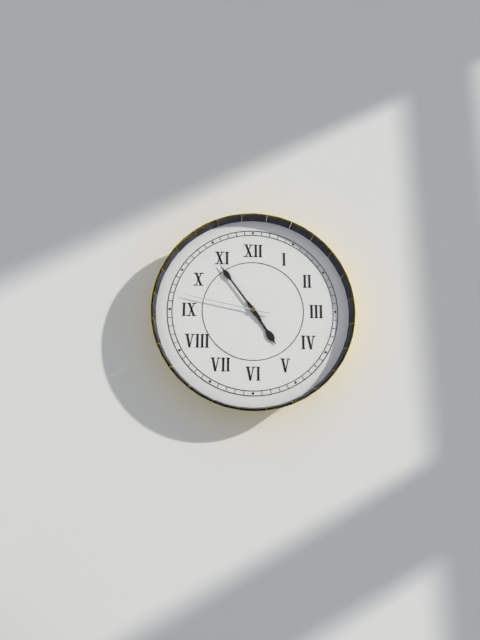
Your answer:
4:54:47
